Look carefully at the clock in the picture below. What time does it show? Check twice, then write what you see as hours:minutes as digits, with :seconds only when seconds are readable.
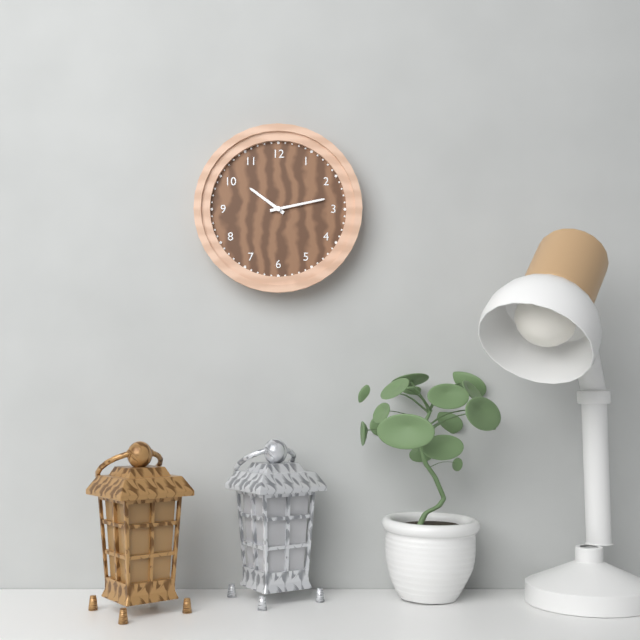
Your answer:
10:13
